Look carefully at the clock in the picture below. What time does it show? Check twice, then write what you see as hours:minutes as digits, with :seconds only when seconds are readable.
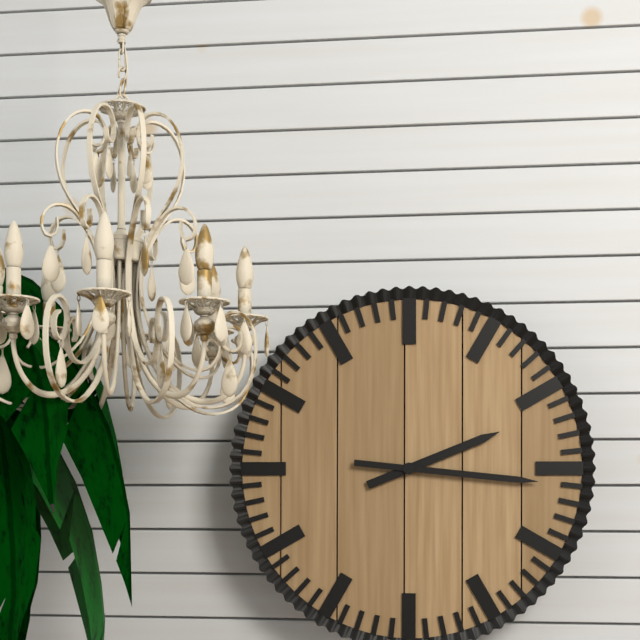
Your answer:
2:16
